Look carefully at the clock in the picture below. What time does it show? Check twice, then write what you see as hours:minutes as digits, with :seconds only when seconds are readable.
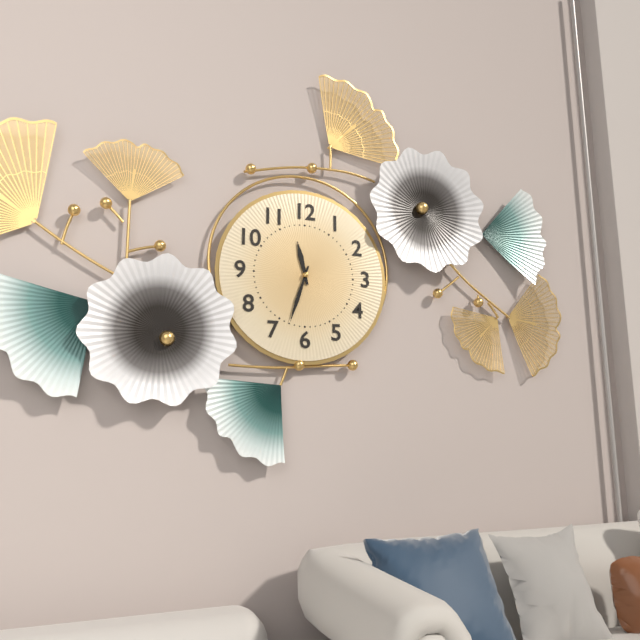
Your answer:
11:33
